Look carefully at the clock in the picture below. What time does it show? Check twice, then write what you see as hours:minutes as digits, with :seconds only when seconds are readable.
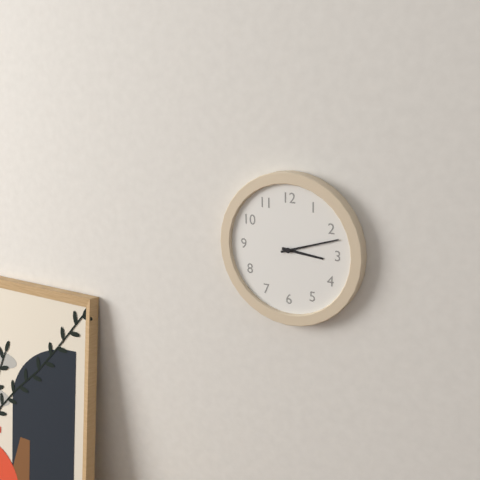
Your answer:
3:12
